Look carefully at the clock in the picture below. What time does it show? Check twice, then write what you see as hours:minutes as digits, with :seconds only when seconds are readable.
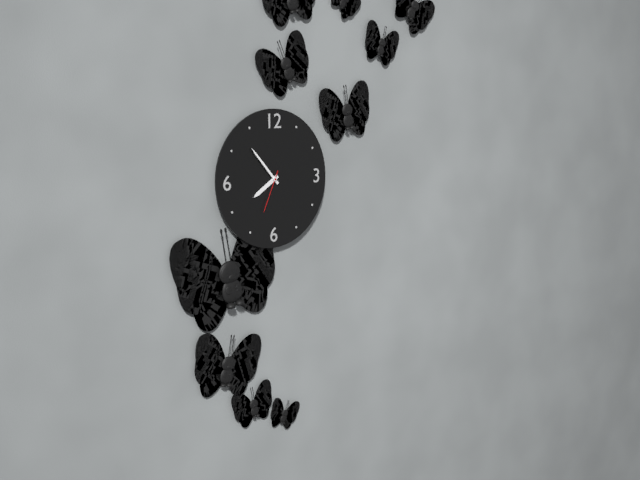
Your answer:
7:53
